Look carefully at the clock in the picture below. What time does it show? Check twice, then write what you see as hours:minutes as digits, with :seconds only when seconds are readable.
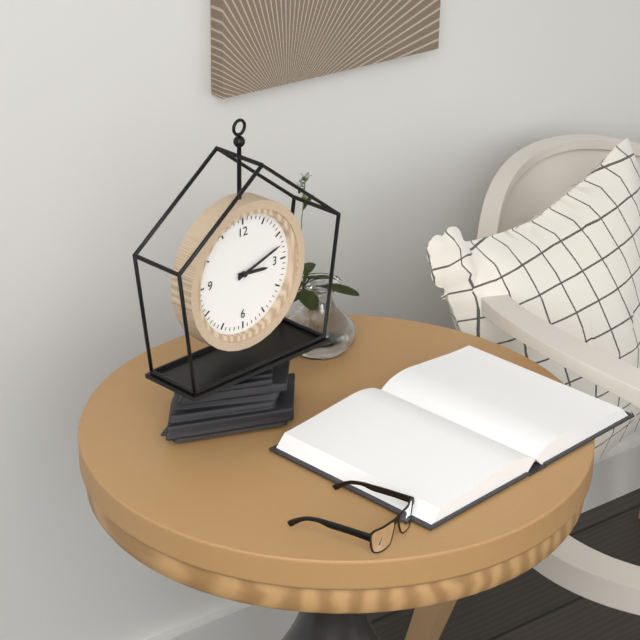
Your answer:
3:12
